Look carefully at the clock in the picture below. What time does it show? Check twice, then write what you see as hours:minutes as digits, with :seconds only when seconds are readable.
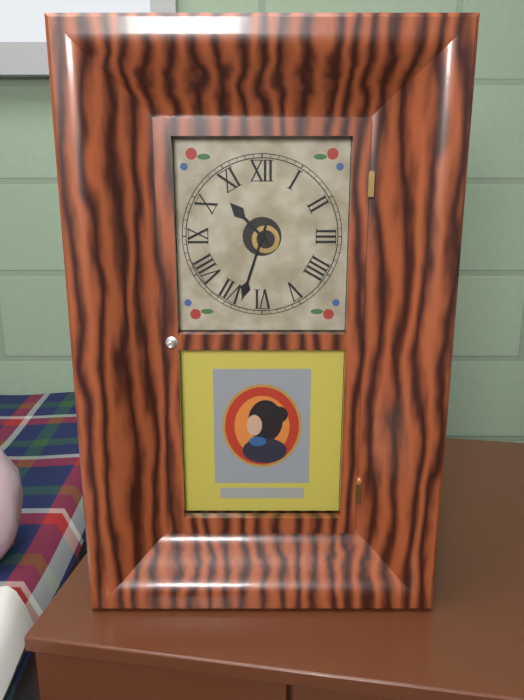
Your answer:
10:33
